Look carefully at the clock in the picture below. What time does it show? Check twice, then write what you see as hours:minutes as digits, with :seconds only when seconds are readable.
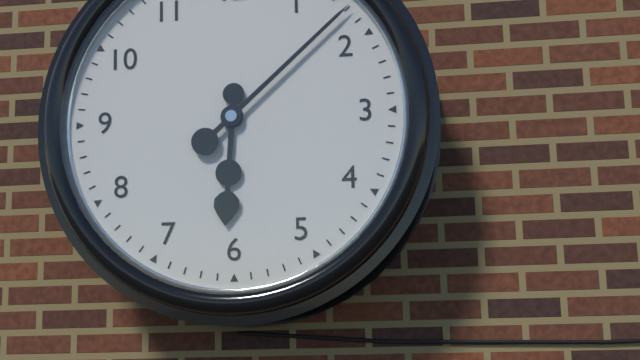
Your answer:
6:08
